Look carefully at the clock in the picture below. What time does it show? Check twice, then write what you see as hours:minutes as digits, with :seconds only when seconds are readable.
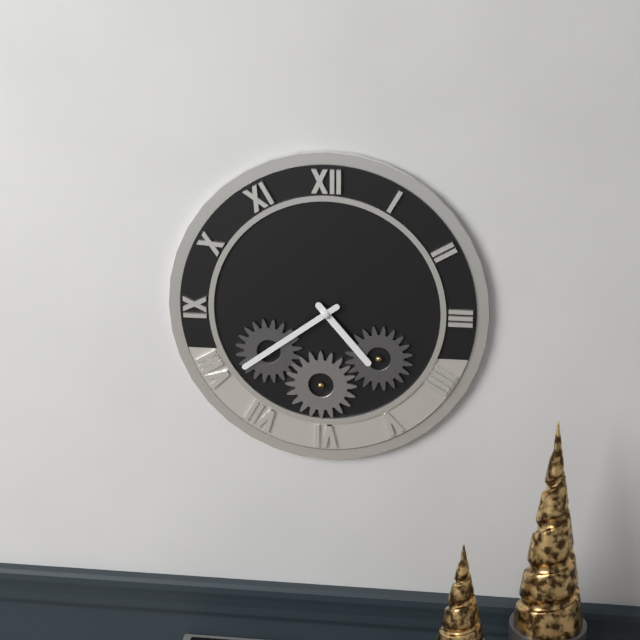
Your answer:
4:39
